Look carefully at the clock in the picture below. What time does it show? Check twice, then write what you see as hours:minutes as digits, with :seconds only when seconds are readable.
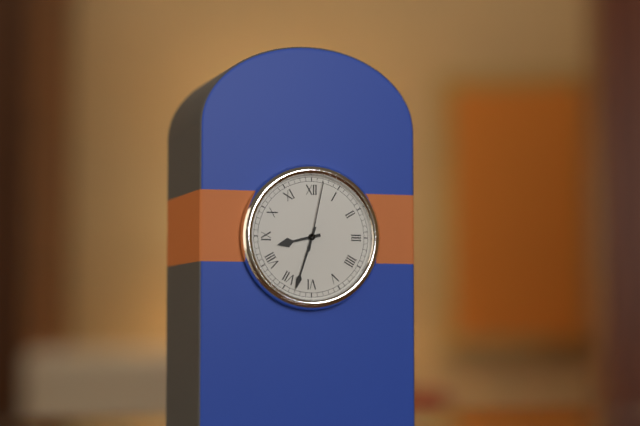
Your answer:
8:33:02
